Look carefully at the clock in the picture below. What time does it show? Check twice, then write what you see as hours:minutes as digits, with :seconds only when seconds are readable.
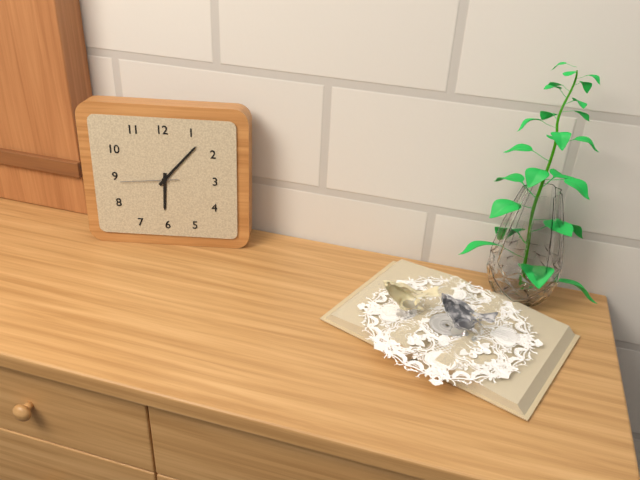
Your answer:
6:07:44
